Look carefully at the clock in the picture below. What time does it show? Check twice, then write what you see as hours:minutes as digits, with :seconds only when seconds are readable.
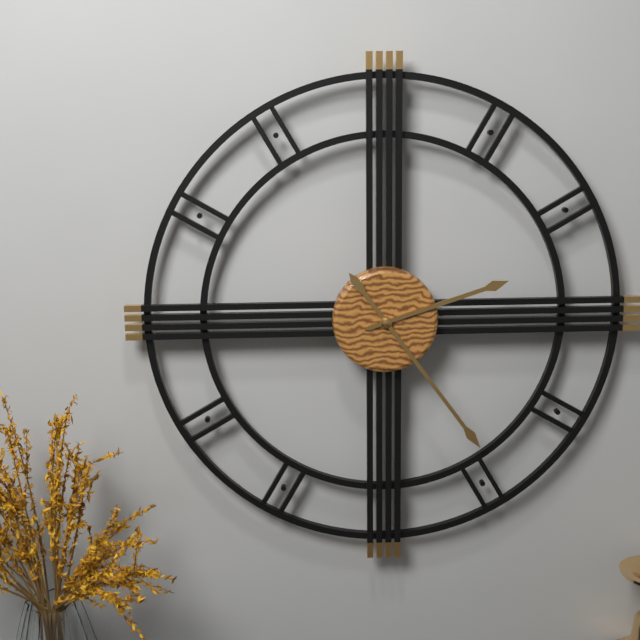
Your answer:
2:24
